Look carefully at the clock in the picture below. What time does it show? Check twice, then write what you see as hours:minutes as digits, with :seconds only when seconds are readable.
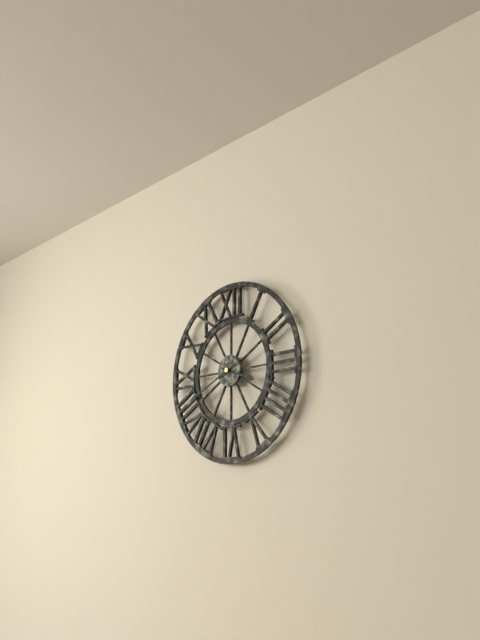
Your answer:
3:41
